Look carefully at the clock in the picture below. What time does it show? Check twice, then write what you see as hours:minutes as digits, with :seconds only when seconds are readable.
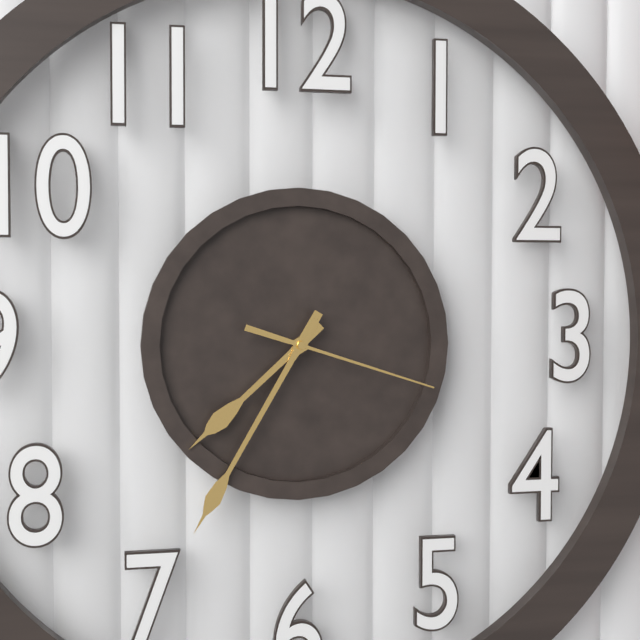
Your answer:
7:35:18
